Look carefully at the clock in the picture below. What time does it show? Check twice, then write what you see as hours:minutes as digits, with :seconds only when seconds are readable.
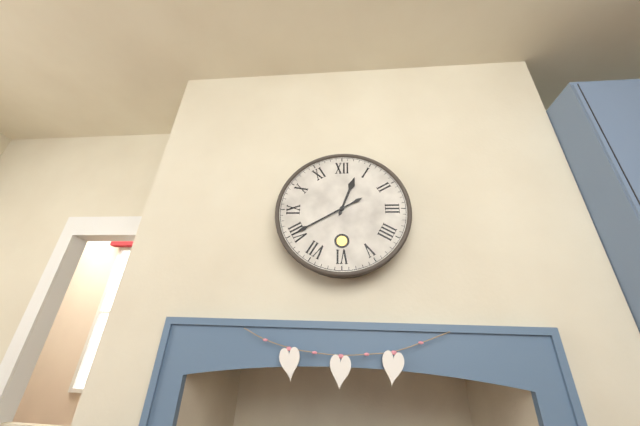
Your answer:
12:40
